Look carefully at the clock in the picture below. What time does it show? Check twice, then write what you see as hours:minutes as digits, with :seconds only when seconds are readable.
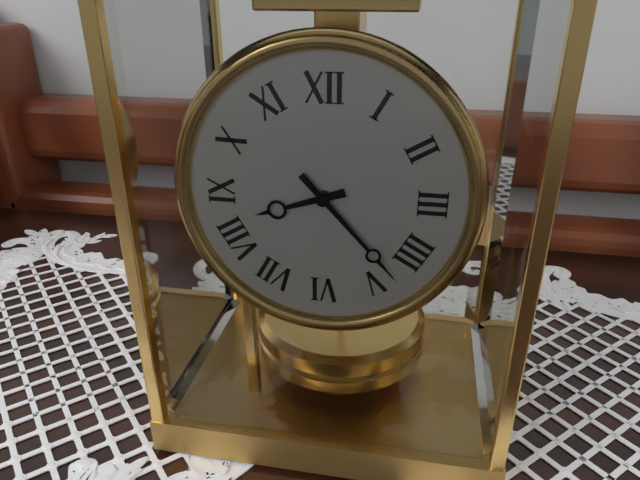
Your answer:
8:23
